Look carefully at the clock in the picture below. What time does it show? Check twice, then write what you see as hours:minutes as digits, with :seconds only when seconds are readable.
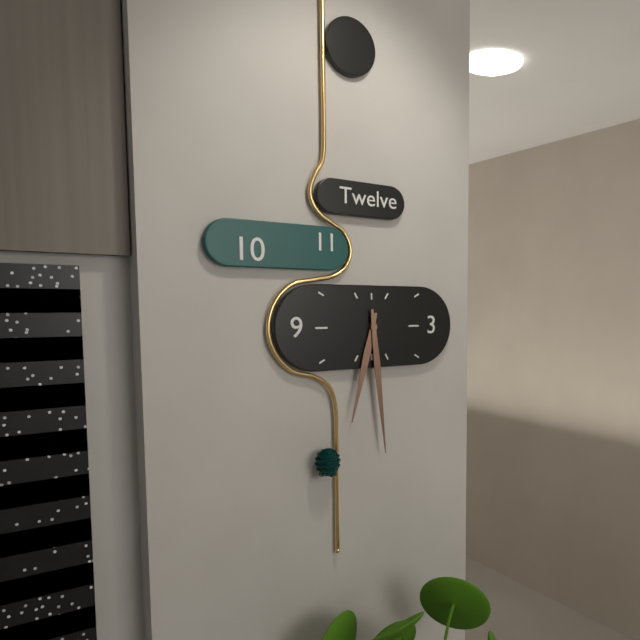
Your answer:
6:29
